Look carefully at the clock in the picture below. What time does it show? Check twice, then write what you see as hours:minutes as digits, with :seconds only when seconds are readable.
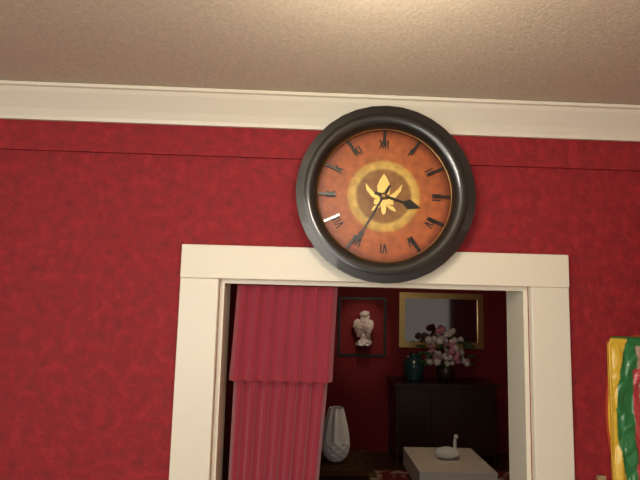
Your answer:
3:35
